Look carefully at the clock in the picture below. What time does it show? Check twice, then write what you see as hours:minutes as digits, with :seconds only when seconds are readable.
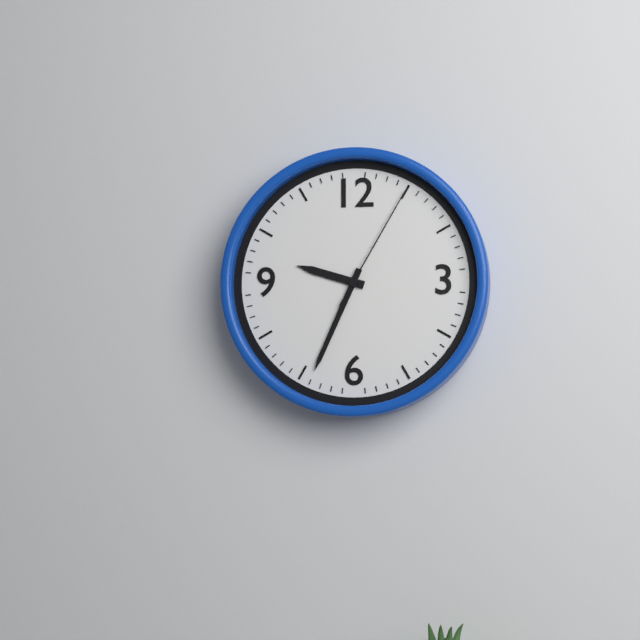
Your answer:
9:34:05
